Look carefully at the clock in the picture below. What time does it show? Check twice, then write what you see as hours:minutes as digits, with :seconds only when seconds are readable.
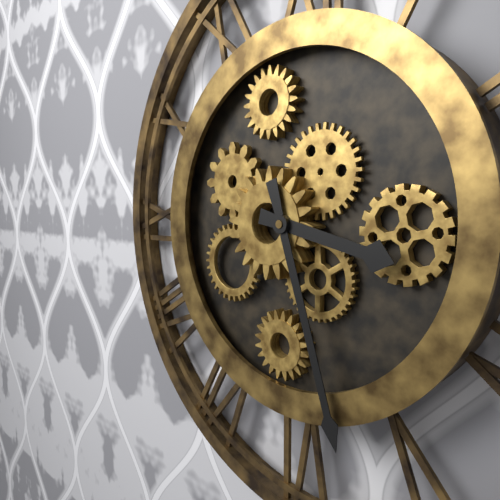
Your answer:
3:27
